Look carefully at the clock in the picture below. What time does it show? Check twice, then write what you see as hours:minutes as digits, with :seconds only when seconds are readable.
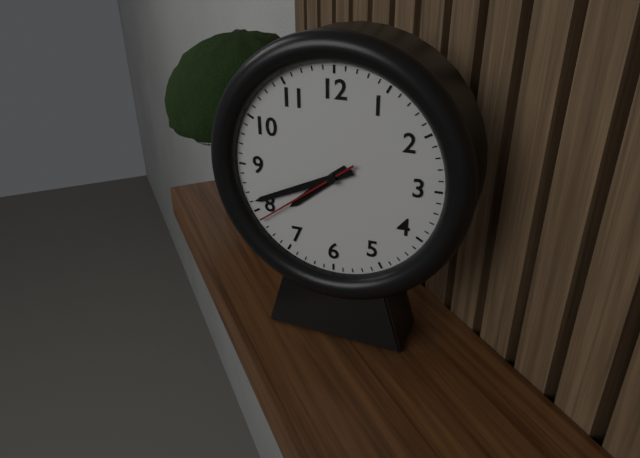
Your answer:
7:41:39
